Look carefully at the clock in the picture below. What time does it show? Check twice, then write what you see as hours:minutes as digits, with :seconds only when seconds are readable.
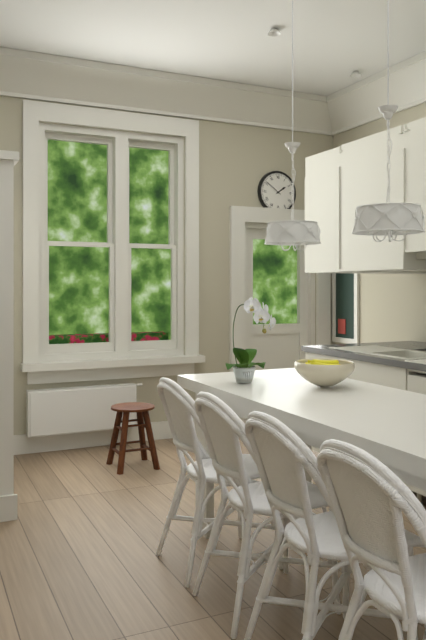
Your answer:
1:51
